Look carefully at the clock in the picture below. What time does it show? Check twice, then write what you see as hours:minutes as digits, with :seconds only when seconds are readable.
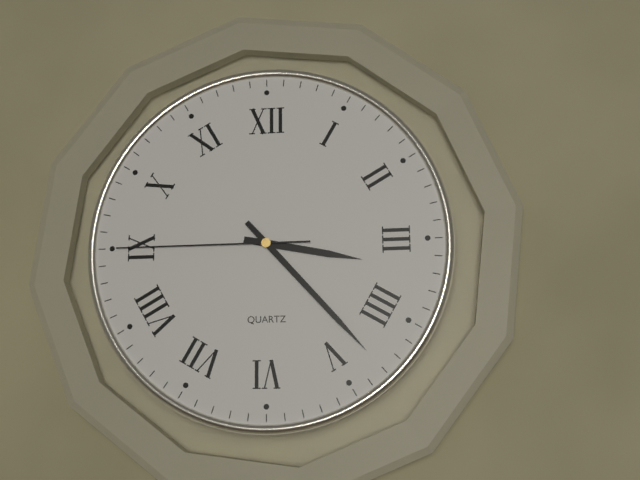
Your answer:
3:23:45
